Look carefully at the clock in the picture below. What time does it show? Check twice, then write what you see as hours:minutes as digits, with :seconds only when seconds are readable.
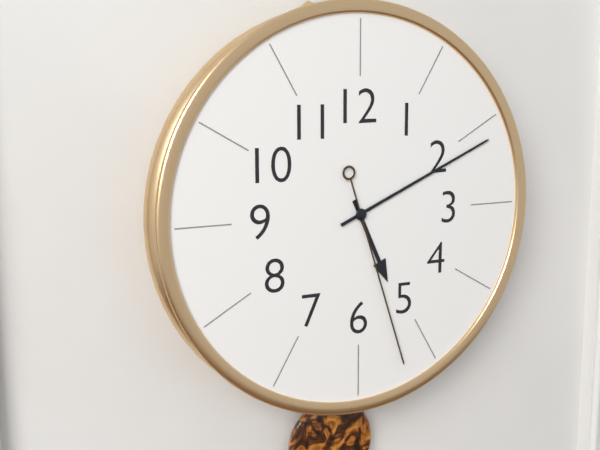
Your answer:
5:11:27
